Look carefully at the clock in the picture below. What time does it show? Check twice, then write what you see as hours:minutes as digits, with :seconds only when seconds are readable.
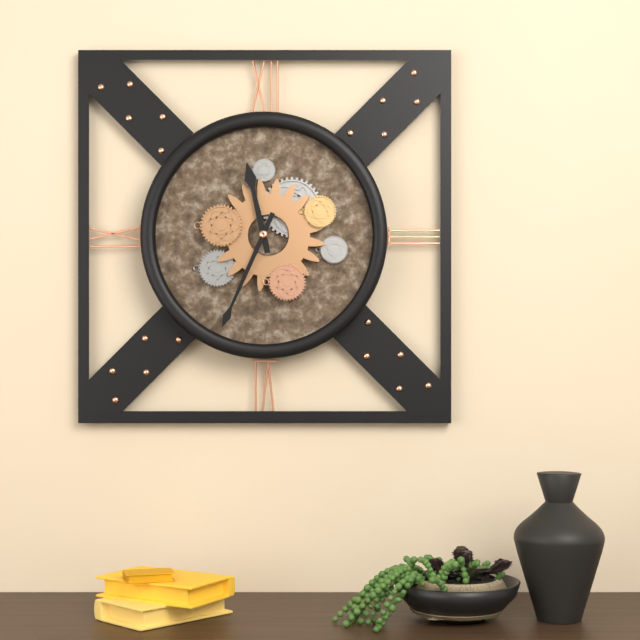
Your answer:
11:34
